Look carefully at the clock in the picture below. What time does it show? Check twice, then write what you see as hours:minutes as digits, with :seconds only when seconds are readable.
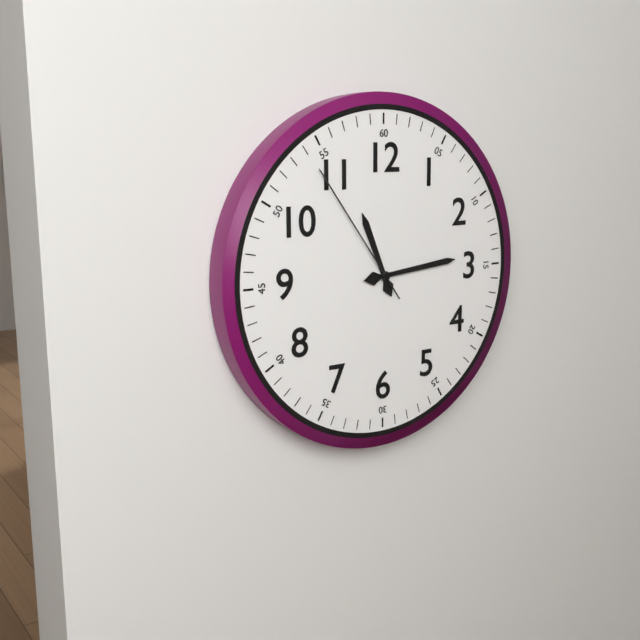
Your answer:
11:14:54
